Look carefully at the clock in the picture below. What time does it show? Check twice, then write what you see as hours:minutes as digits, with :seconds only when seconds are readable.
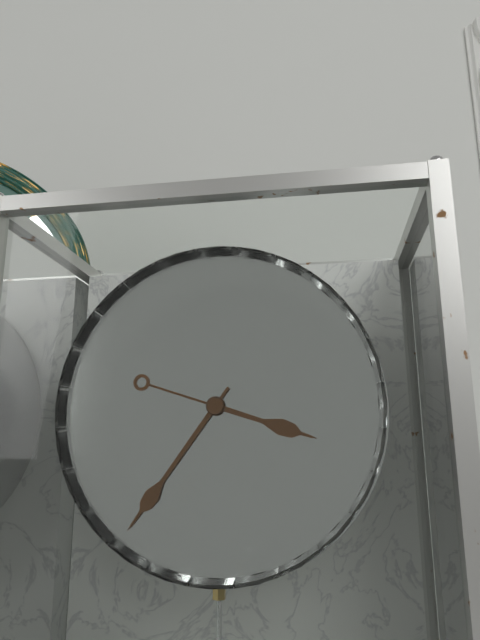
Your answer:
3:36
